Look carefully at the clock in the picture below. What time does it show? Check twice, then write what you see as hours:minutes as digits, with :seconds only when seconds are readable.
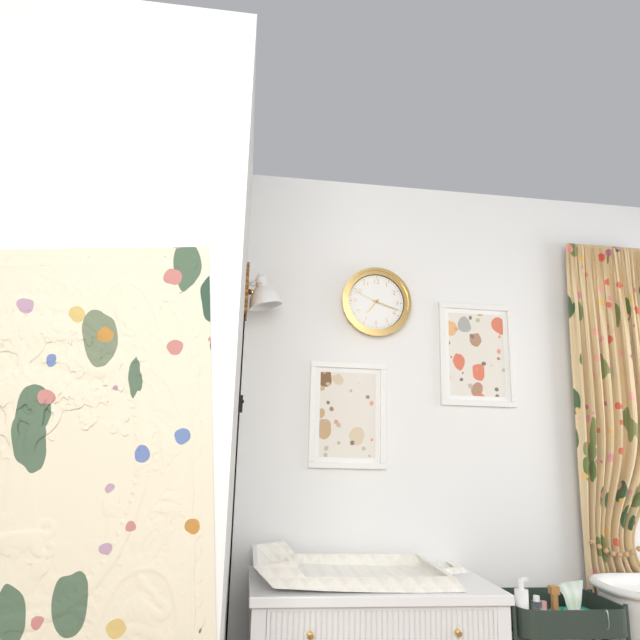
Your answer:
7:18
